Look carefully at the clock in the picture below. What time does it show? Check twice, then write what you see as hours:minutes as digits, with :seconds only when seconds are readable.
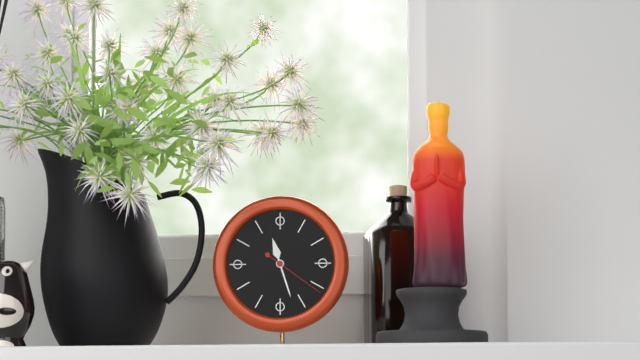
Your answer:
11:27:21
